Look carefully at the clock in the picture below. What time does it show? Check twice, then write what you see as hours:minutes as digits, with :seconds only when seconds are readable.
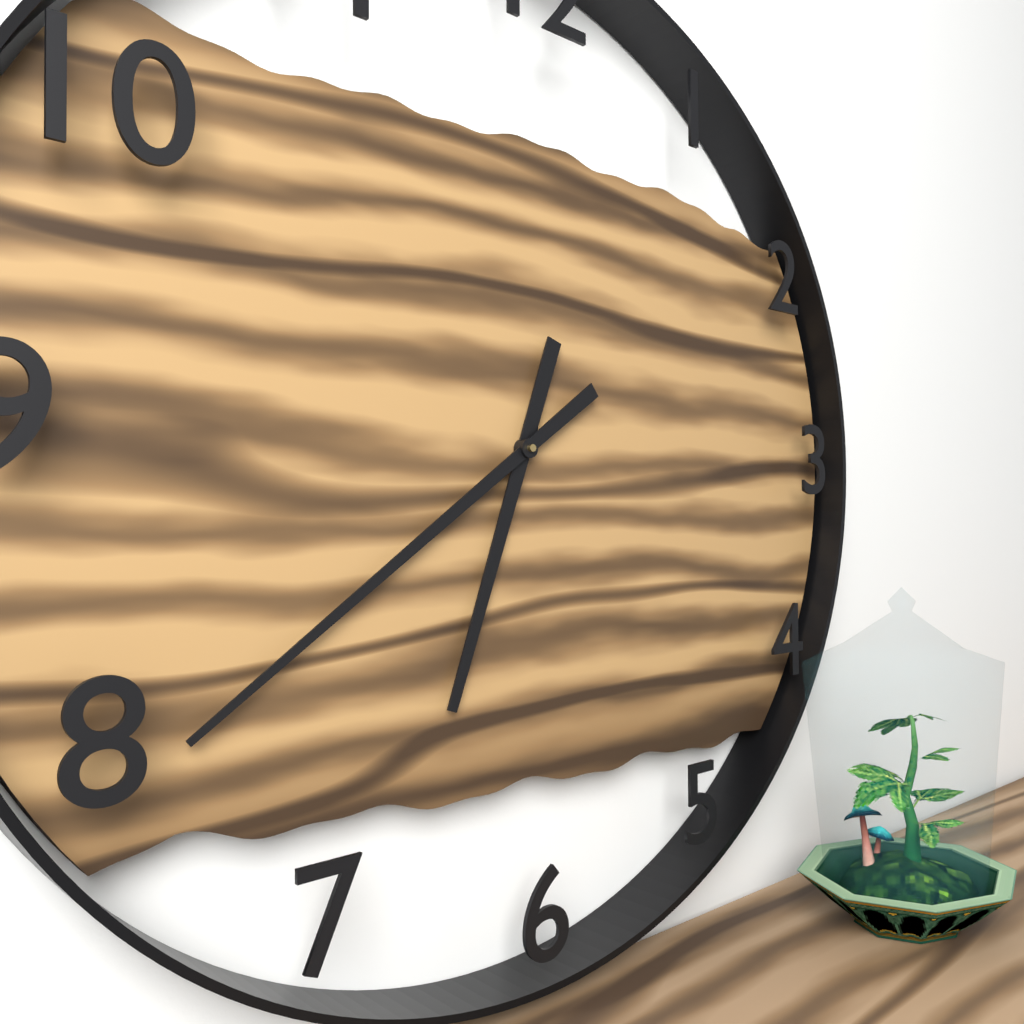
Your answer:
6:39
